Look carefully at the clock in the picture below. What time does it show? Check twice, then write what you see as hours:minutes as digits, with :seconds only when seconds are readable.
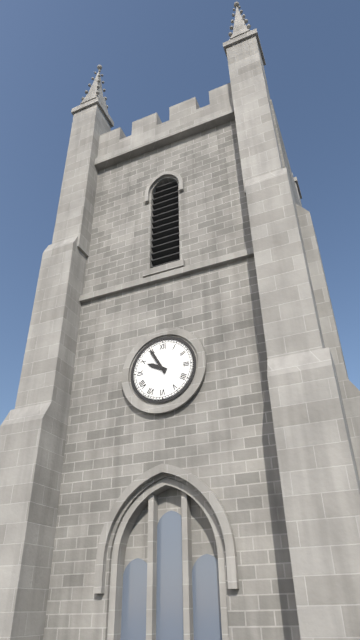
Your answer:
9:55
